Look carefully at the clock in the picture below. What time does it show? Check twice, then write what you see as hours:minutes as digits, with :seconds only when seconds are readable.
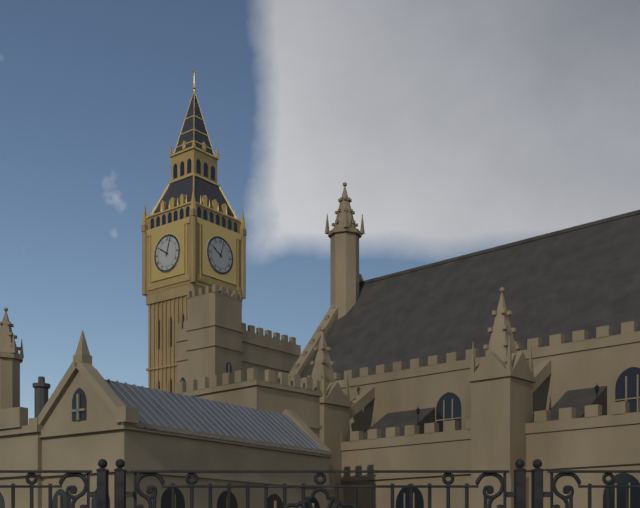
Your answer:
10:03
